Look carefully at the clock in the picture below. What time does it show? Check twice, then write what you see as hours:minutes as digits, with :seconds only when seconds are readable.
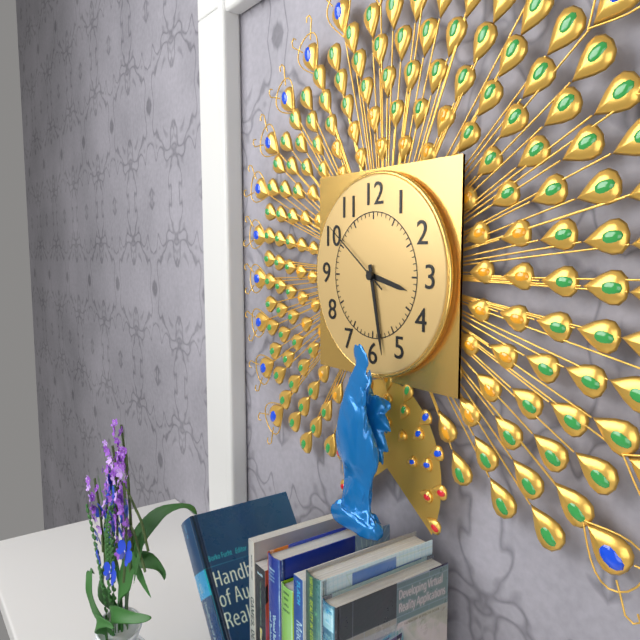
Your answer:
3:28:51
